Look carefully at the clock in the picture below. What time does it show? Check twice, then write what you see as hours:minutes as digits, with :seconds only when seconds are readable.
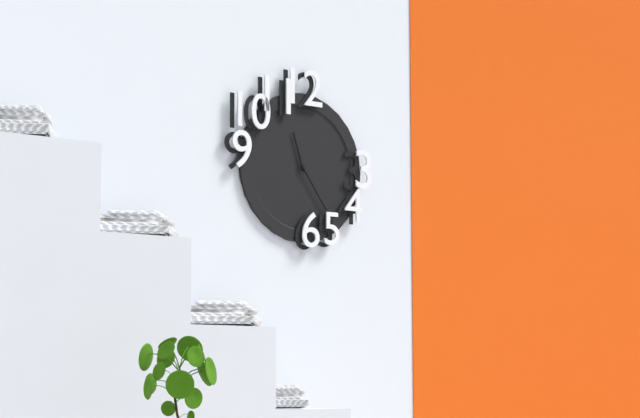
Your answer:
11:24
